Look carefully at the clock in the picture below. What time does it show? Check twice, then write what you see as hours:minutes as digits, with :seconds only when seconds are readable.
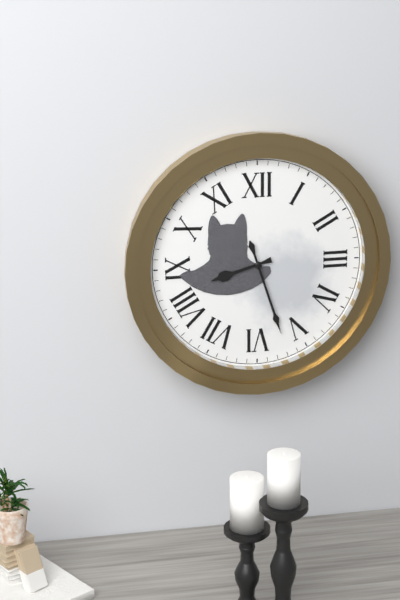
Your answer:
8:27
